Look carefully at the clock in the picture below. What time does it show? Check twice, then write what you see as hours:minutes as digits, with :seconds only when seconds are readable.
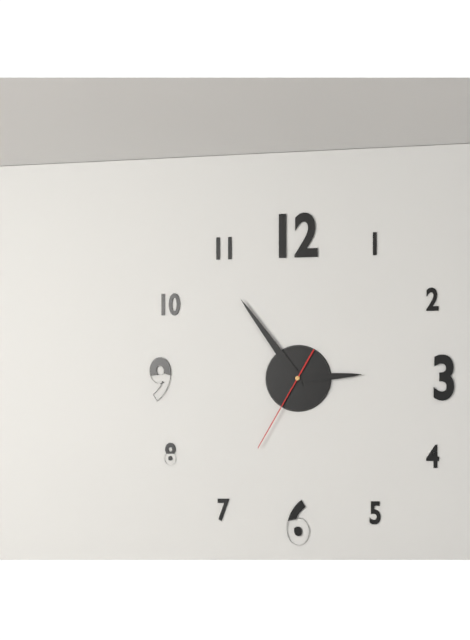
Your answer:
2:54:35
